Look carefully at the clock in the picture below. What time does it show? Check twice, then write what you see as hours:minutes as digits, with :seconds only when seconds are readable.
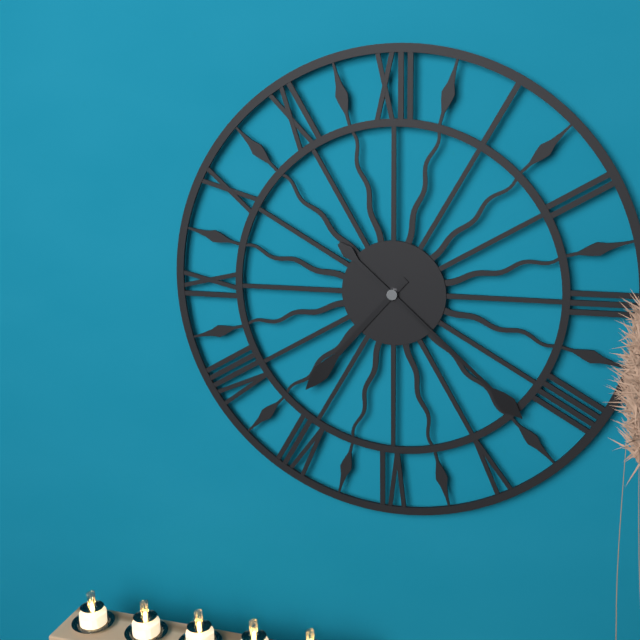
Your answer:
7:22
